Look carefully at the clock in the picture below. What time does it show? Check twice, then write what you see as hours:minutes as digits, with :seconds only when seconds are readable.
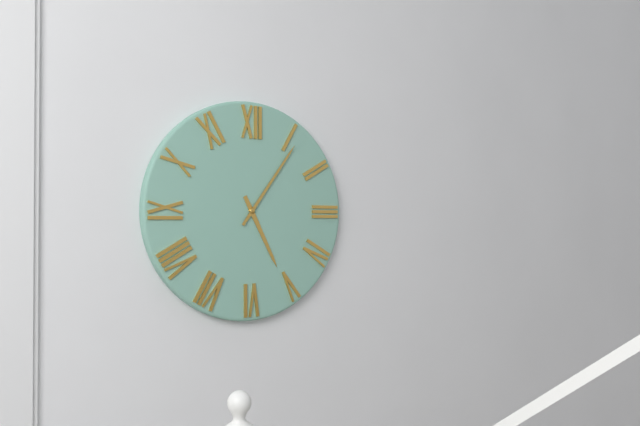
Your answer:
5:06
